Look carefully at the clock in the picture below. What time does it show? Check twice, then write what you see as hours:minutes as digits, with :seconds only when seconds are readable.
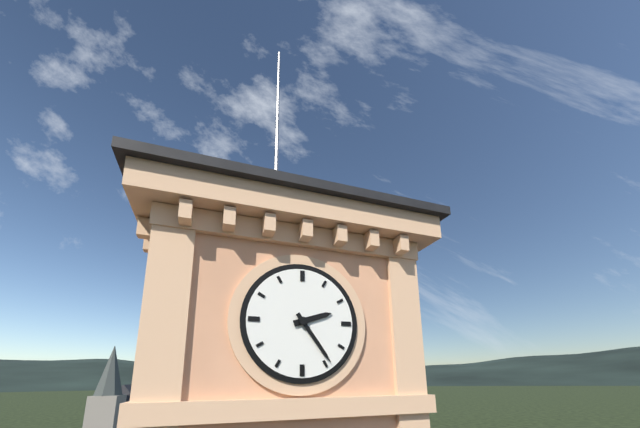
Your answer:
2:24
